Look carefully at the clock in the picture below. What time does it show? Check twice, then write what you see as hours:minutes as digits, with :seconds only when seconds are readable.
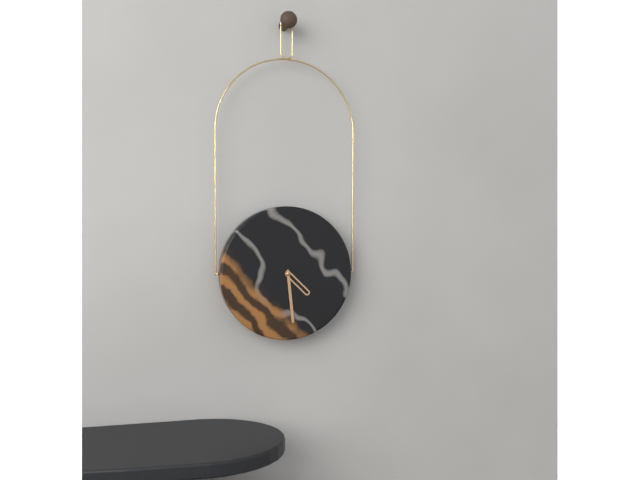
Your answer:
4:29
